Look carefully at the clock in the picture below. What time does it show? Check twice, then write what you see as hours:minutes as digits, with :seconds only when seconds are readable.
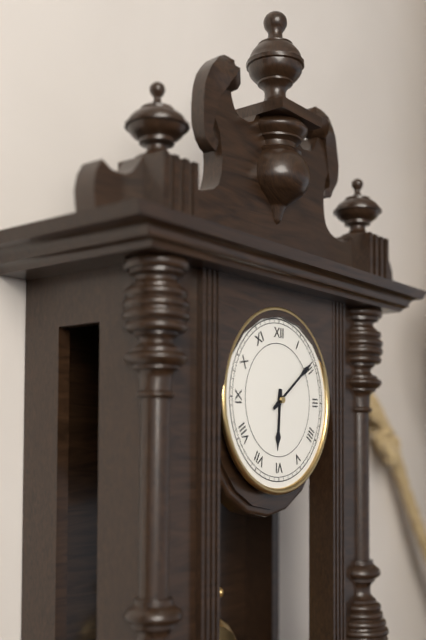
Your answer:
6:09
